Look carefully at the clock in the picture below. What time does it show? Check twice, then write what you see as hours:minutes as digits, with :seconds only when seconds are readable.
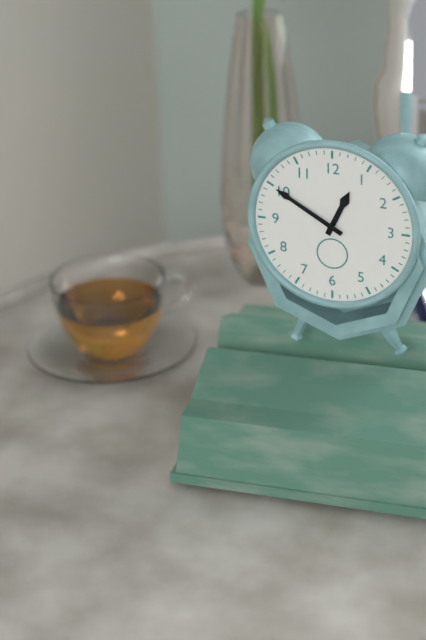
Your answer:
12:50
